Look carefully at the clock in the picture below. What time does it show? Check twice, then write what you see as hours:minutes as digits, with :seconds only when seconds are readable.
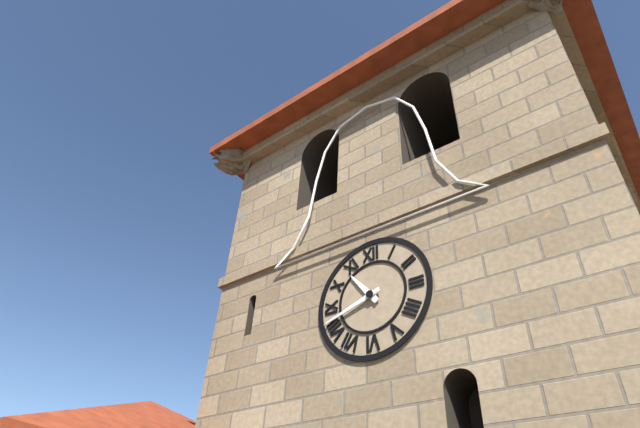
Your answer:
10:42
